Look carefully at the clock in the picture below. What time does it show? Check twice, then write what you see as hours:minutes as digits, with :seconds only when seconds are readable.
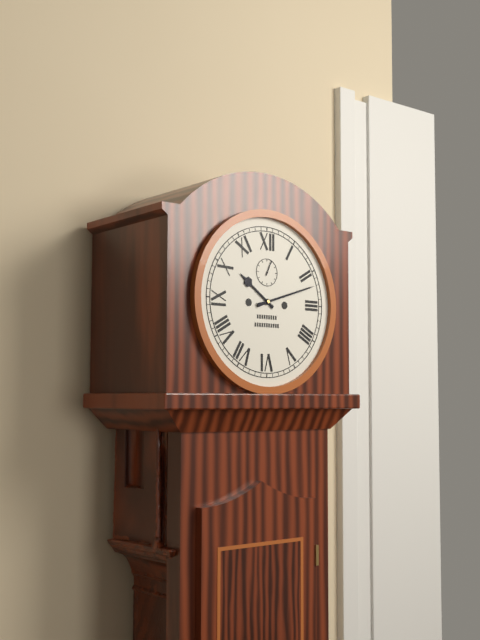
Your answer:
10:12
